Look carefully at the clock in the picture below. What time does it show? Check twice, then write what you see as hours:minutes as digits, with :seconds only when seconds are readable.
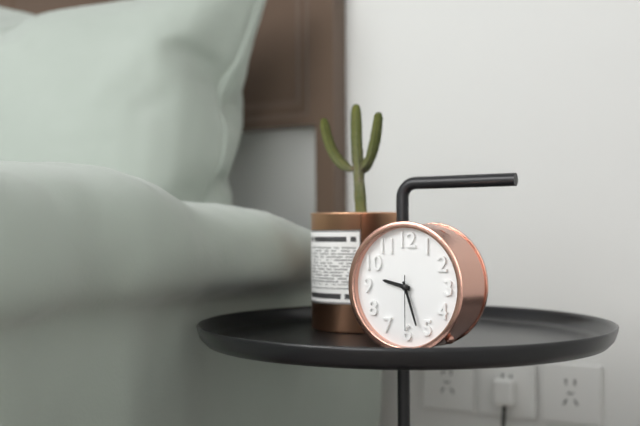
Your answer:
9:27:30
